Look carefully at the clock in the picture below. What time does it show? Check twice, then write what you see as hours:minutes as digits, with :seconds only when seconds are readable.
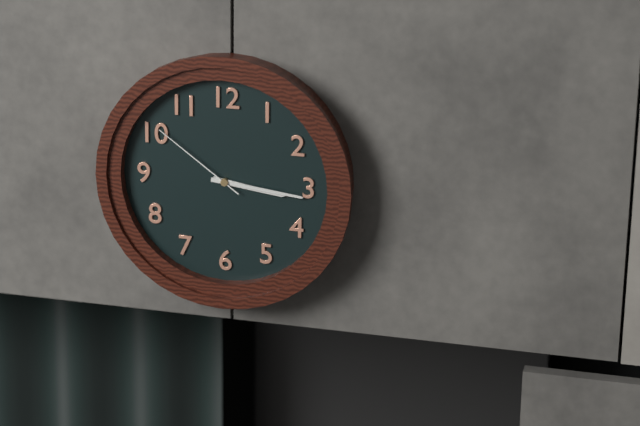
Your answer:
3:16:51
